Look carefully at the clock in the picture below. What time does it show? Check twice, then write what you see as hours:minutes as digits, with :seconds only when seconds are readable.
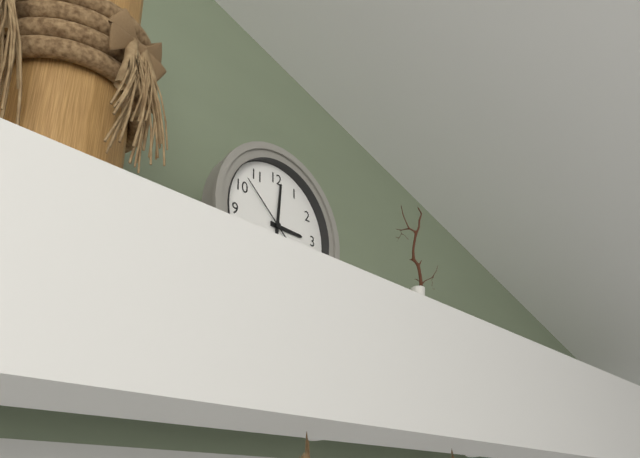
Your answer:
3:01:52
